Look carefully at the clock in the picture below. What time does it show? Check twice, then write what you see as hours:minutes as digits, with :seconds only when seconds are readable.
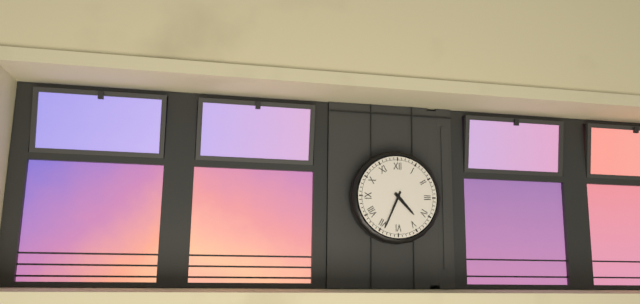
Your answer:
4:34
